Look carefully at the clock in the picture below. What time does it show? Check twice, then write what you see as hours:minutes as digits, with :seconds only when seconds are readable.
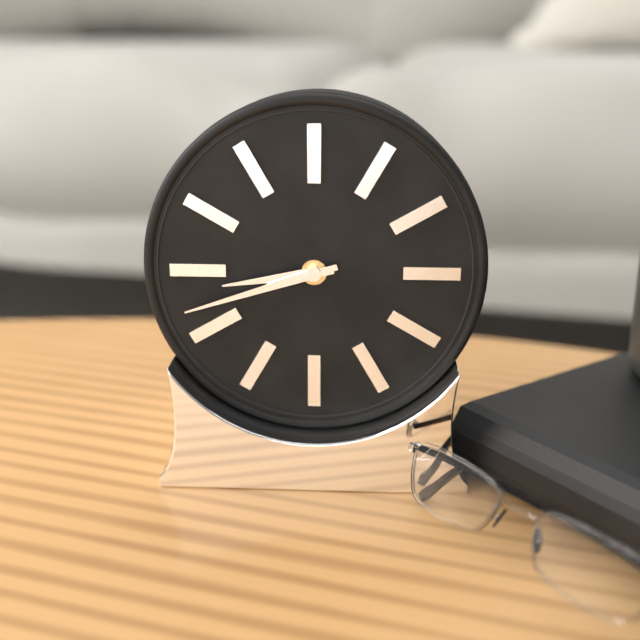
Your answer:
8:42
